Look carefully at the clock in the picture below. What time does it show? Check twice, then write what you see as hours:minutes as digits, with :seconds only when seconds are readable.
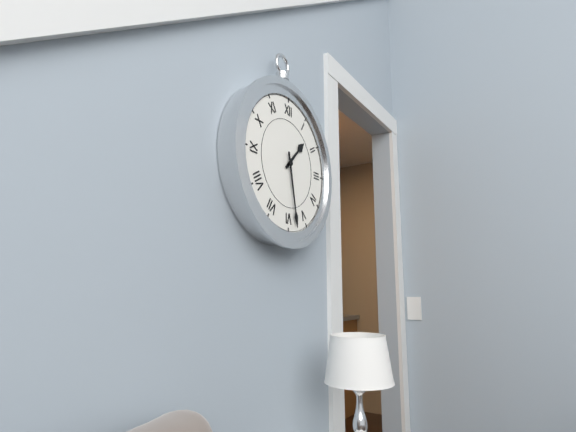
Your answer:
1:28
